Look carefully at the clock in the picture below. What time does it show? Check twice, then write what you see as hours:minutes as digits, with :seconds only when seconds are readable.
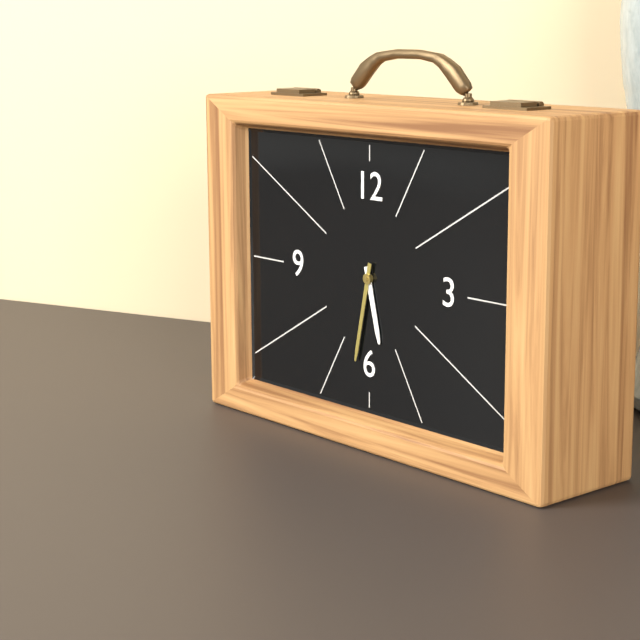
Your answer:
5:32
